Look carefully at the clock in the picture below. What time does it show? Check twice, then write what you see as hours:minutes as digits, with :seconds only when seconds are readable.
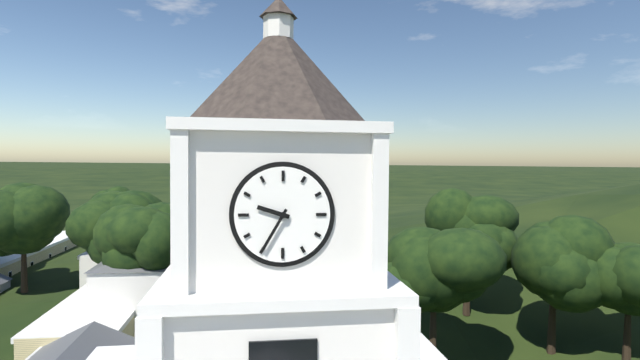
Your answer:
9:35
